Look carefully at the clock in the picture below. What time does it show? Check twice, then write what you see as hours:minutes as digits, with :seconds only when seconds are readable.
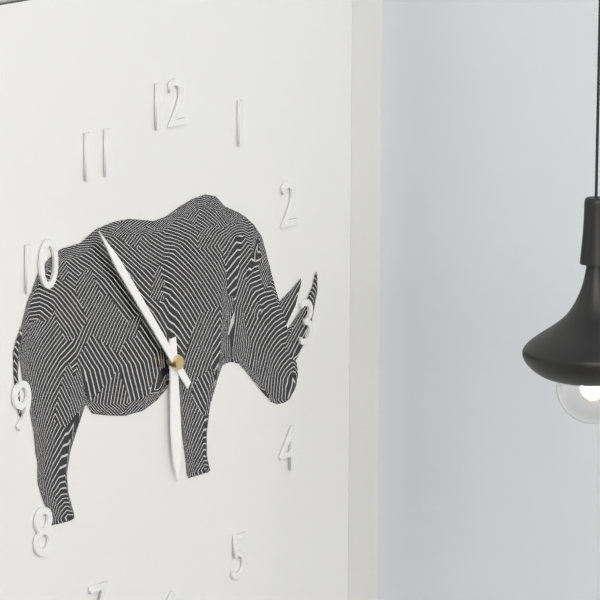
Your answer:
5:53
